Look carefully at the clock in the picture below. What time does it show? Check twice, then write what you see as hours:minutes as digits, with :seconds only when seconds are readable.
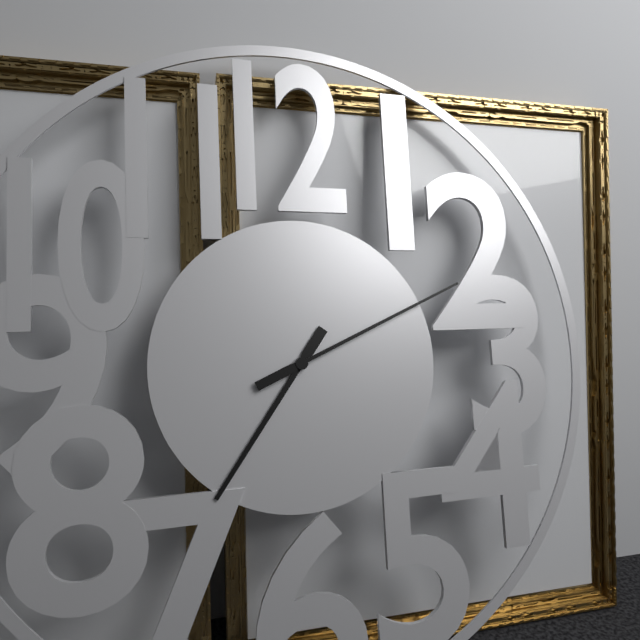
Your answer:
7:11
